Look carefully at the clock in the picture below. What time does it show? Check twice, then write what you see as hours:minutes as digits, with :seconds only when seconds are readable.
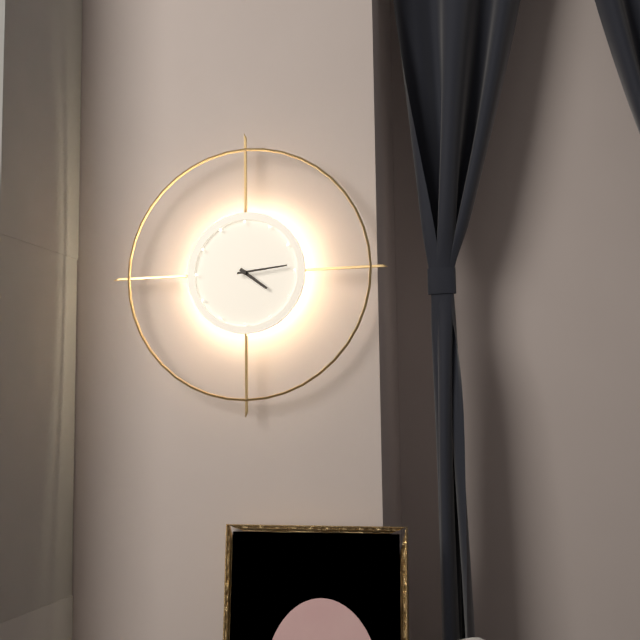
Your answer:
4:14
